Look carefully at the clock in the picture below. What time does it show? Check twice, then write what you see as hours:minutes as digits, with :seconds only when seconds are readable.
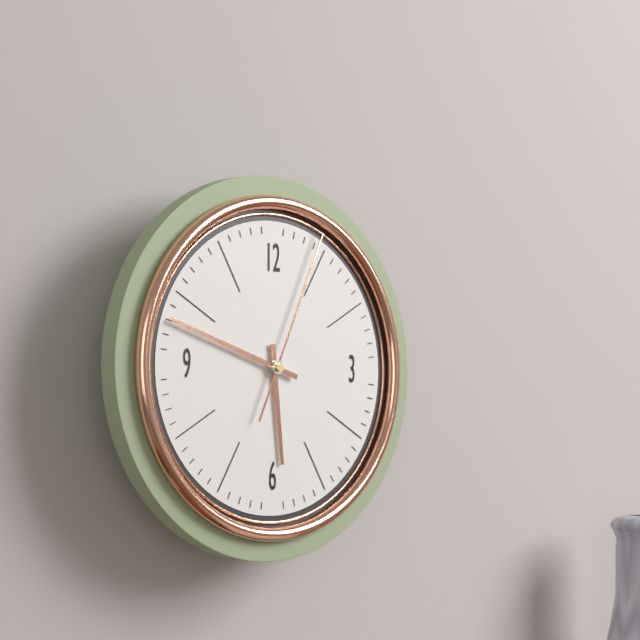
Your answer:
5:48:04
